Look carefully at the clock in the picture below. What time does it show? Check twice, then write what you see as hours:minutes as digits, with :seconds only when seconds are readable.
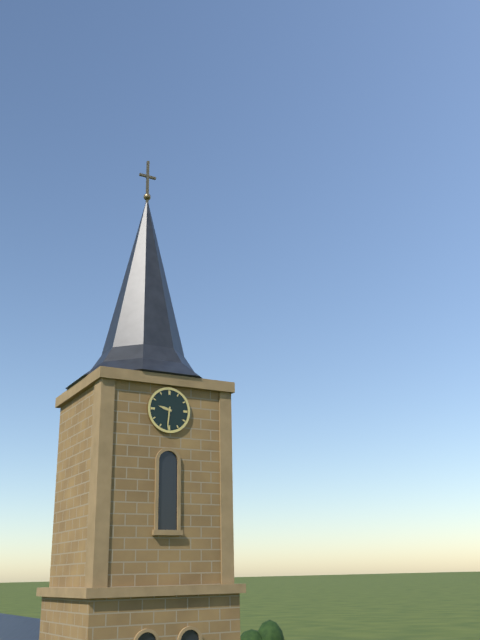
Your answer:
9:31
